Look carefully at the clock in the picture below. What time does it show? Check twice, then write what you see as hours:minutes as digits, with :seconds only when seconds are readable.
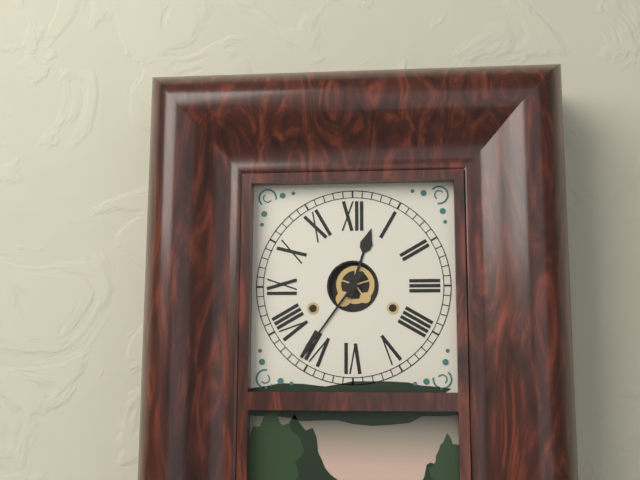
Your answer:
12:36
